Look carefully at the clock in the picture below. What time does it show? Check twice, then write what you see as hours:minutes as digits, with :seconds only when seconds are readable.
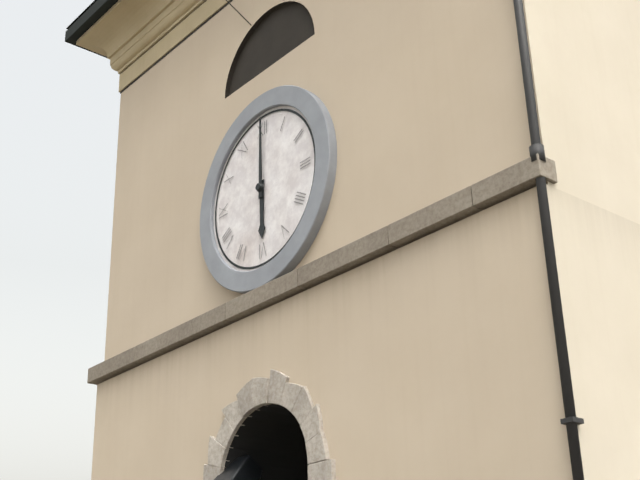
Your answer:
6:00
